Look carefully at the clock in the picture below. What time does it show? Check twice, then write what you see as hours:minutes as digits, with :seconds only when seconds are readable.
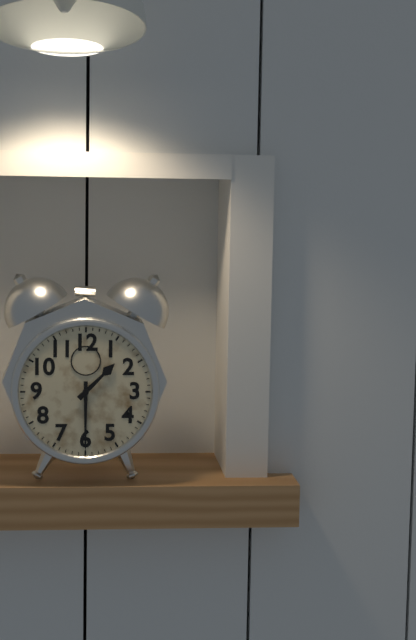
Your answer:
1:30
